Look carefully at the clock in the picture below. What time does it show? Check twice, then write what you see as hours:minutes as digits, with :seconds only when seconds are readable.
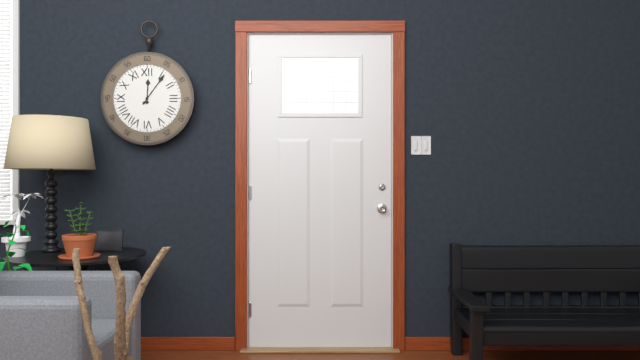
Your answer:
12:06
